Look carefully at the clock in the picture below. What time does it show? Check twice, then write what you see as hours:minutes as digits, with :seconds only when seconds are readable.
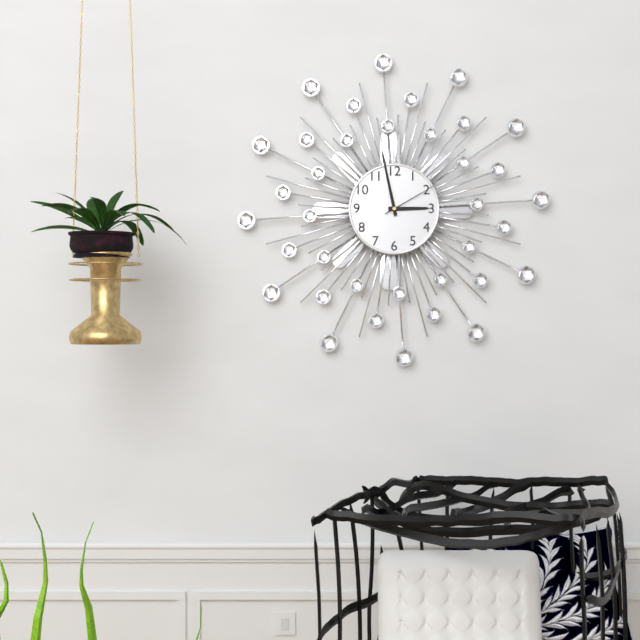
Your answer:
2:58:10
